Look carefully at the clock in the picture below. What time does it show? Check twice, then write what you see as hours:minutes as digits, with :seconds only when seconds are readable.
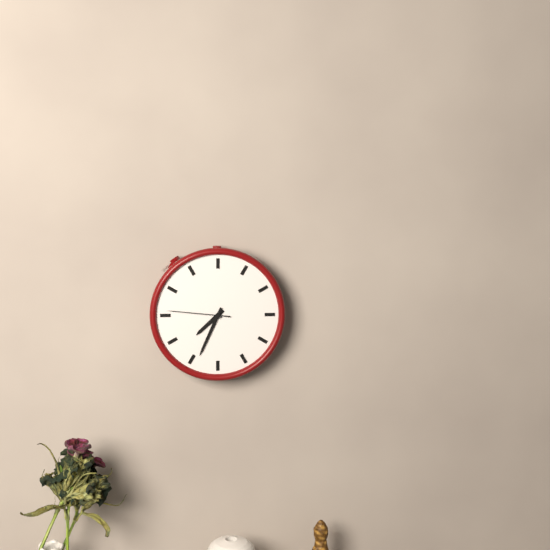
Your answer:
7:34:46
